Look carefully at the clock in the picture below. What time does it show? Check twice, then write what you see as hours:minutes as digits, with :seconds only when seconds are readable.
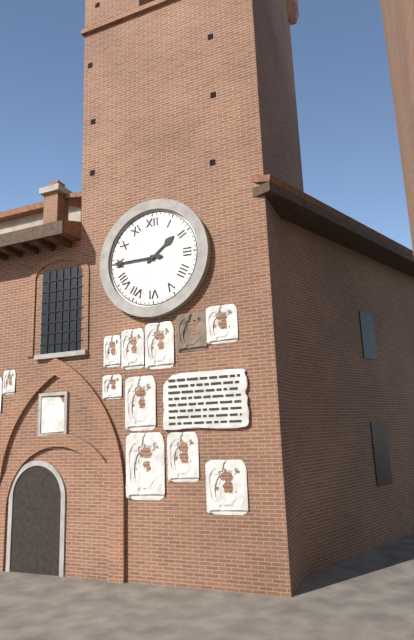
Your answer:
1:45
